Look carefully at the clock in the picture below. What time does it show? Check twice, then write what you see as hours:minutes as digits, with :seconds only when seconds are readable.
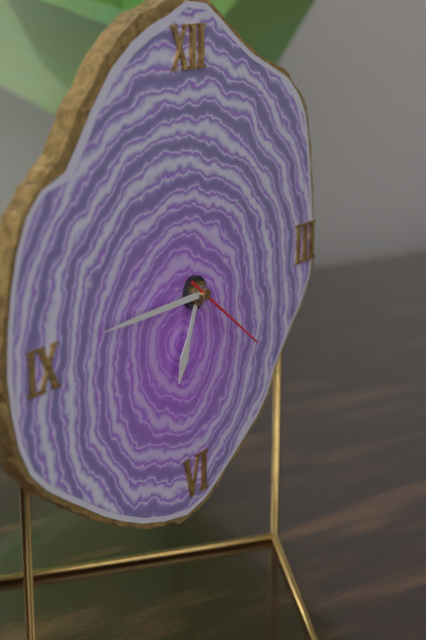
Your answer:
6:45:21
